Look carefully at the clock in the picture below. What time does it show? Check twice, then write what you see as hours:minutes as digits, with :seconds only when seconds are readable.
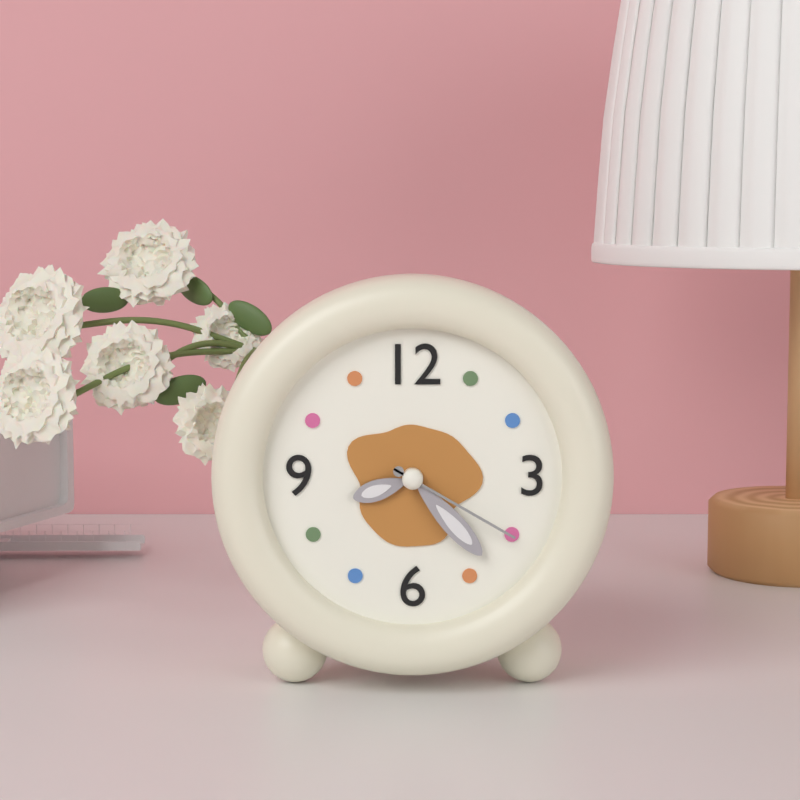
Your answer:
8:23:20
